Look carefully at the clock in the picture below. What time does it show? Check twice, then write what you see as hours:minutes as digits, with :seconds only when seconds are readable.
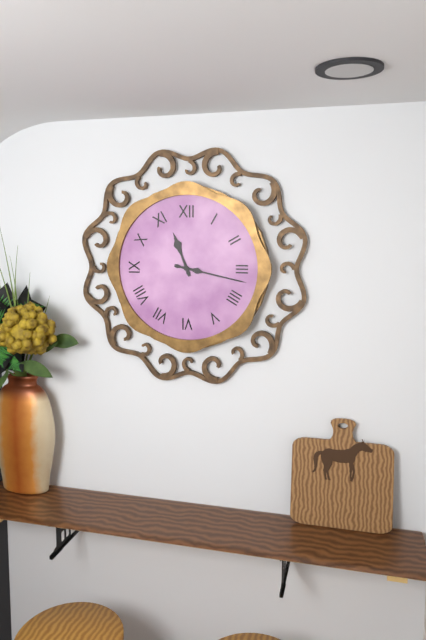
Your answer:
11:17
